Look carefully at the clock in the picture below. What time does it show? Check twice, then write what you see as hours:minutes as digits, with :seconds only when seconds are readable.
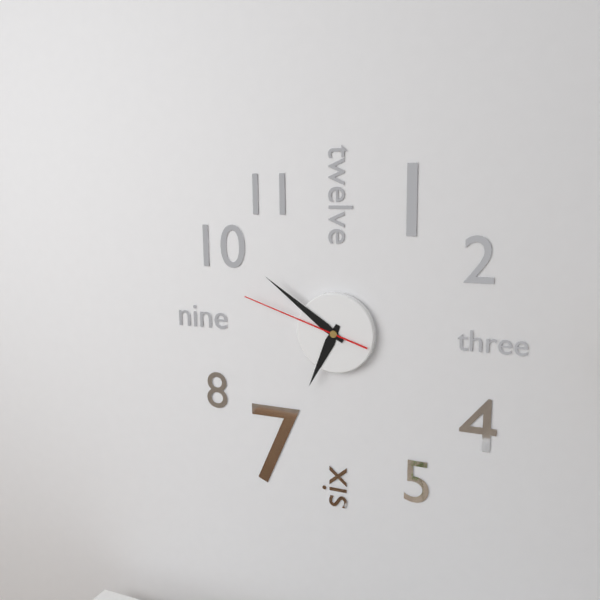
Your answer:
6:51:48
